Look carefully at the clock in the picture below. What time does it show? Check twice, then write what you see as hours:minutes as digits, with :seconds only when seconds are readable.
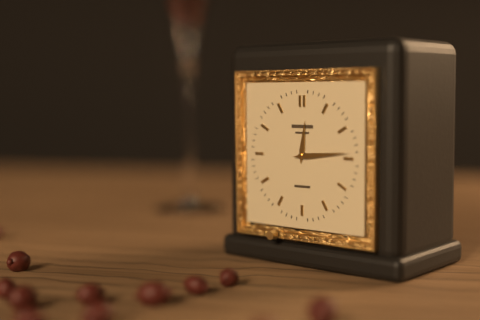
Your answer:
12:14
